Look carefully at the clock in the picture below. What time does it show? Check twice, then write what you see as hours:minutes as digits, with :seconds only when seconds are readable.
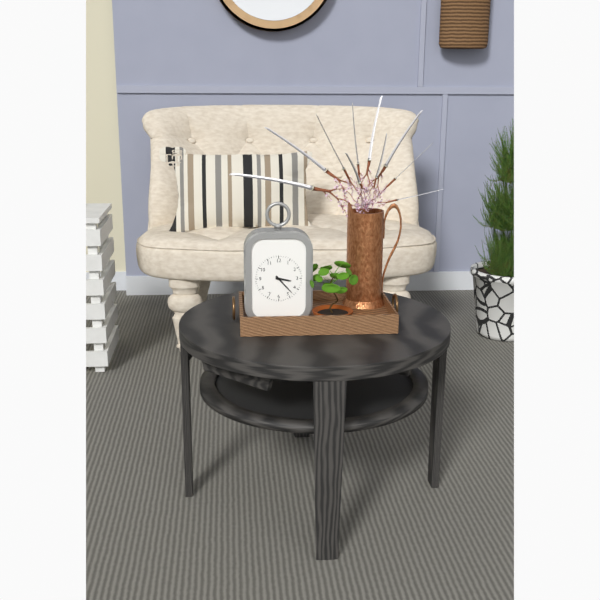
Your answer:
3:23
